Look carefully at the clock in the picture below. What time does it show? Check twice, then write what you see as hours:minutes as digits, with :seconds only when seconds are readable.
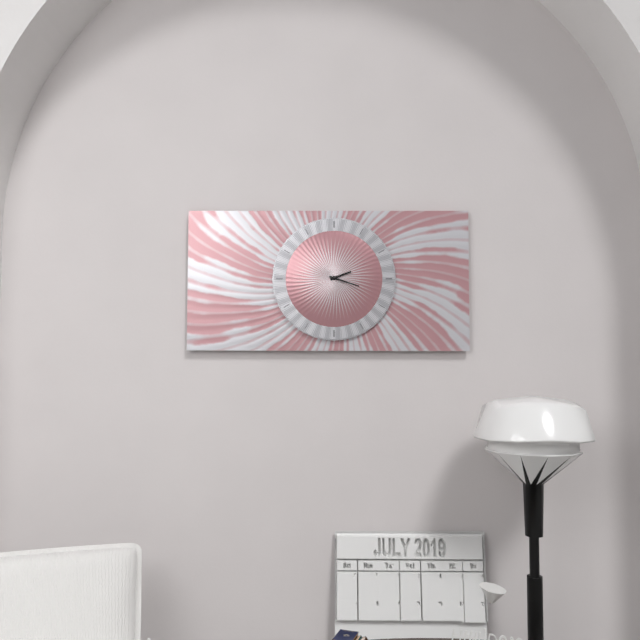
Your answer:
2:18
